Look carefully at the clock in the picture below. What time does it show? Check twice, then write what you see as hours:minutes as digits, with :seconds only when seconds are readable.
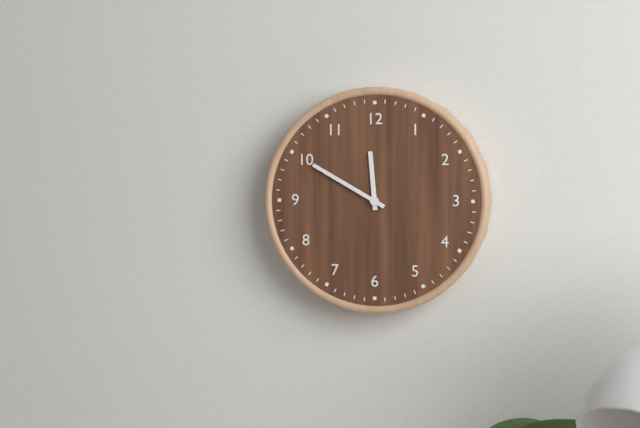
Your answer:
11:50
